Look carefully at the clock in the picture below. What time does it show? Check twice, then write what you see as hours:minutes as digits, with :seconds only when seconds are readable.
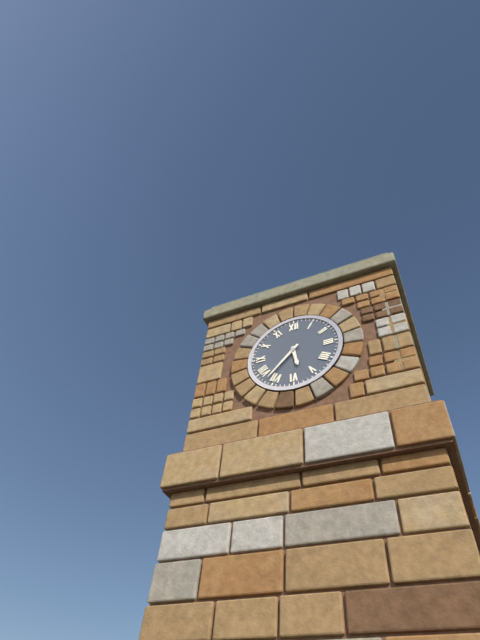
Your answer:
5:37
